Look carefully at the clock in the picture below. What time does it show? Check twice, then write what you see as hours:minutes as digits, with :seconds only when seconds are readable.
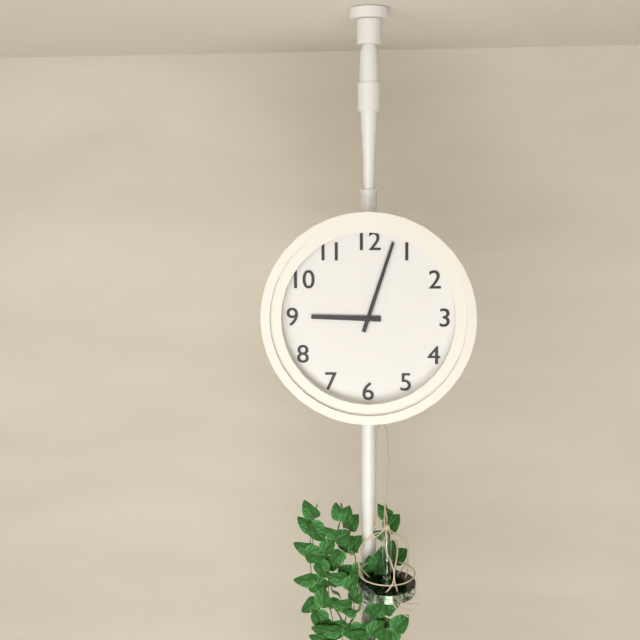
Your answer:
9:03
